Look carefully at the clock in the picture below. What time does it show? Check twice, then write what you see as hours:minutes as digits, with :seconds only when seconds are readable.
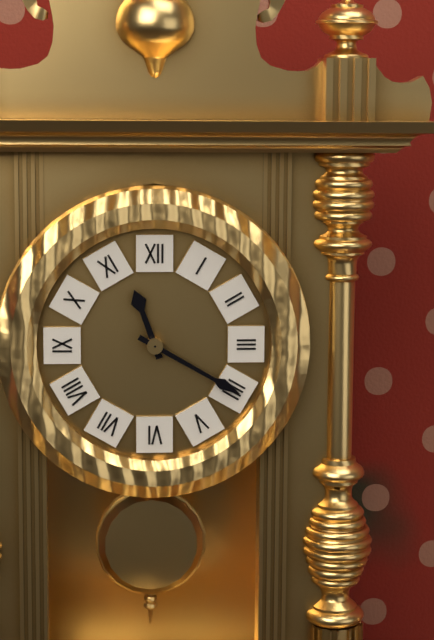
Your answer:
11:20
